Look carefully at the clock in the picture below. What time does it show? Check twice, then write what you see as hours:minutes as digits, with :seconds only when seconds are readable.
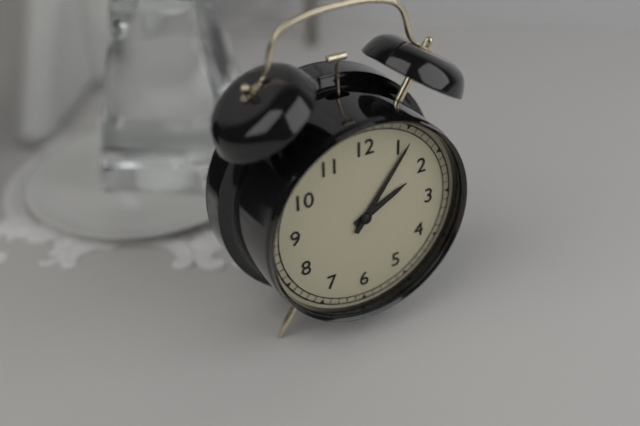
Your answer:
2:06
